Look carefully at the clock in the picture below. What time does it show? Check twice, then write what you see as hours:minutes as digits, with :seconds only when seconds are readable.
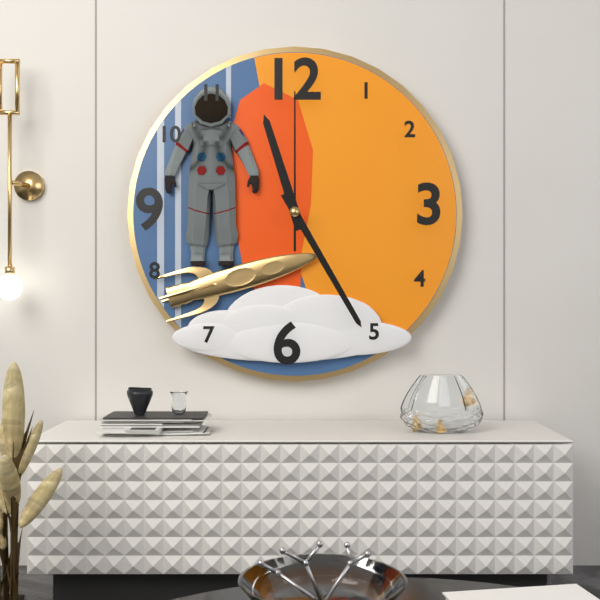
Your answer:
11:25:00
